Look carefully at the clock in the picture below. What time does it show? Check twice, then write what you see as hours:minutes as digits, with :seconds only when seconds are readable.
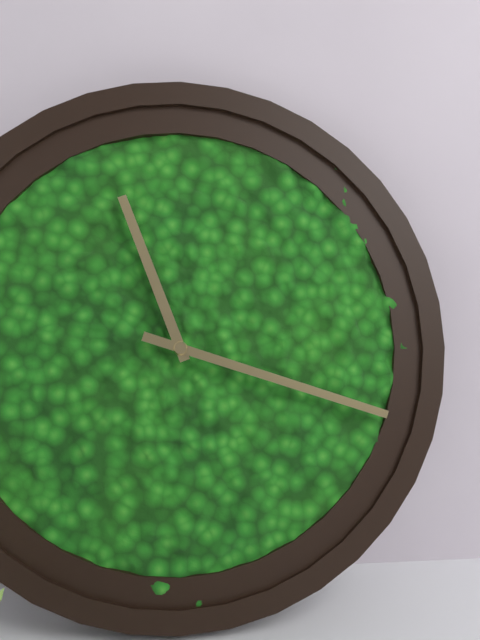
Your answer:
11:18
